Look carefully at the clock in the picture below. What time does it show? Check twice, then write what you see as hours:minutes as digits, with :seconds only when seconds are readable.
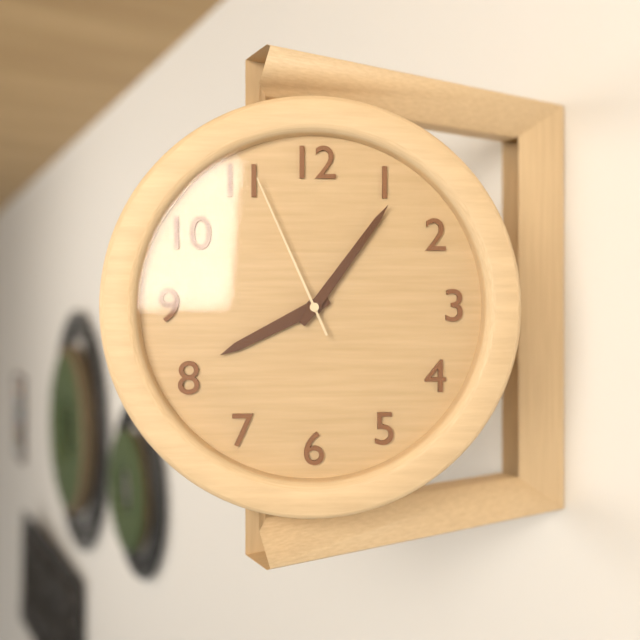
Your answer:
8:06:56
